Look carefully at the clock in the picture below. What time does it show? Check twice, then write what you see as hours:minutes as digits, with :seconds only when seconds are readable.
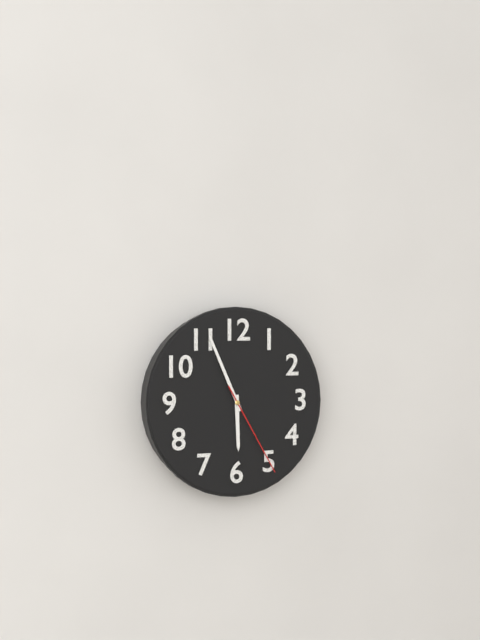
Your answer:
5:56:25
